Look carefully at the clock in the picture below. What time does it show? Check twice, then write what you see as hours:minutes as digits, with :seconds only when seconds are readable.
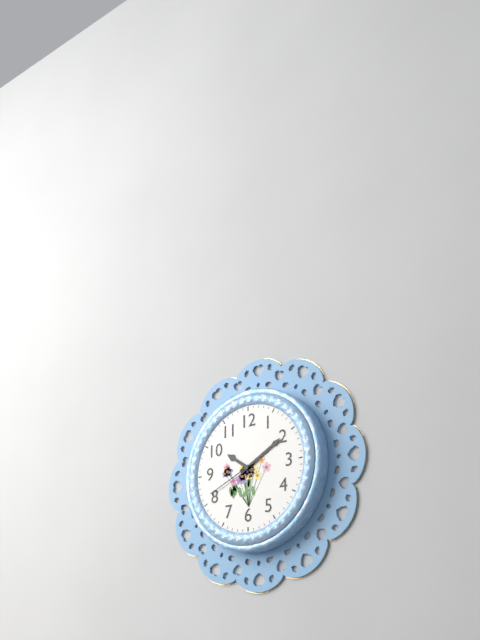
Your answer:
10:10:41
